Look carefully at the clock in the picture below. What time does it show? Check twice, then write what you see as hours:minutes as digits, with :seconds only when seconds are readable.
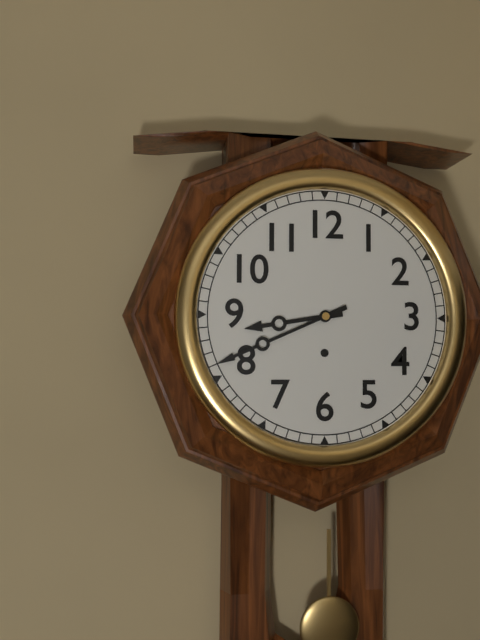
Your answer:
8:41
